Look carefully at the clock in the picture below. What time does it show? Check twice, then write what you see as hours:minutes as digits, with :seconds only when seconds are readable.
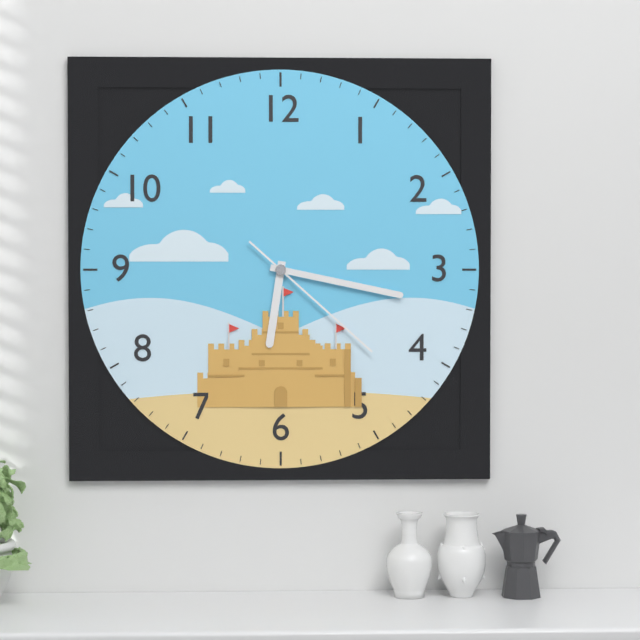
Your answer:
6:17:22
